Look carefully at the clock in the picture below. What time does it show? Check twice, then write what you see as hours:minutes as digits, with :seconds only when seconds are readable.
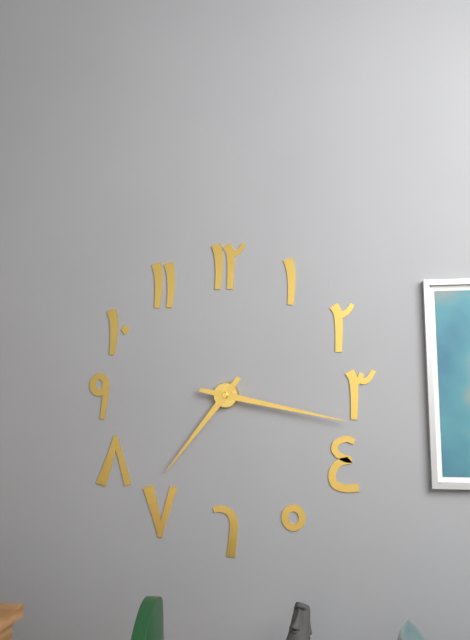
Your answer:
7:17
